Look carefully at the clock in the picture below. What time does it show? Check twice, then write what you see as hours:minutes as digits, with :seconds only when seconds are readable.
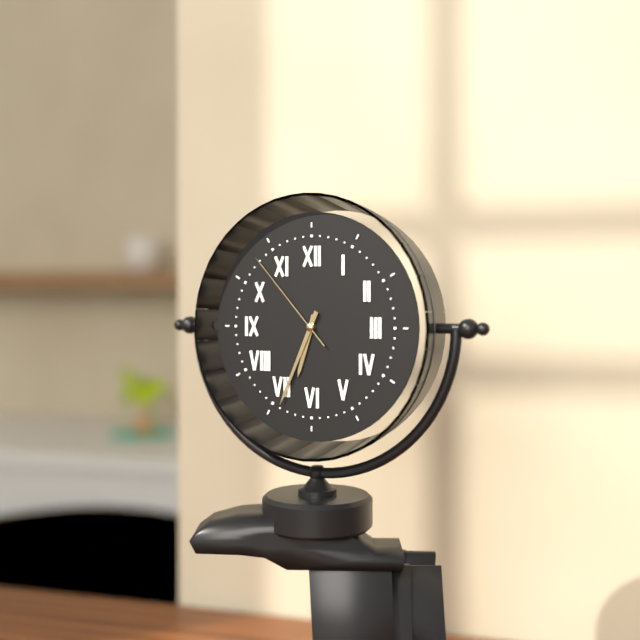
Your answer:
6:34:53
